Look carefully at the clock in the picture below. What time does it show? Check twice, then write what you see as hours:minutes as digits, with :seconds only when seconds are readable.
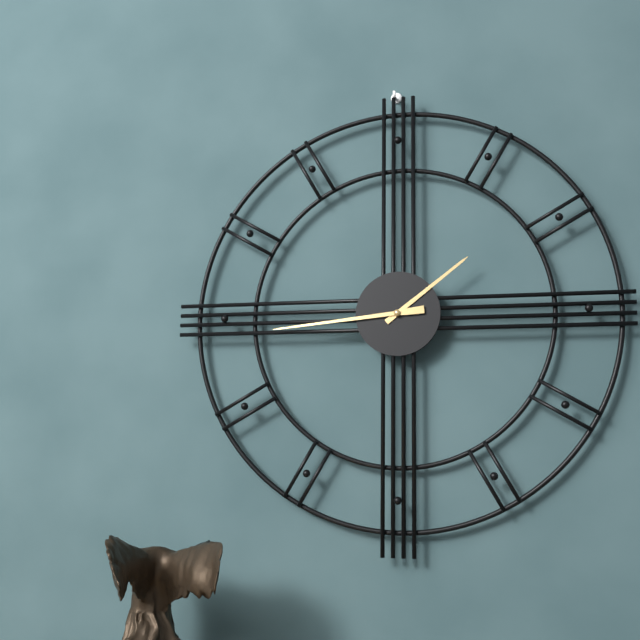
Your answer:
1:44
